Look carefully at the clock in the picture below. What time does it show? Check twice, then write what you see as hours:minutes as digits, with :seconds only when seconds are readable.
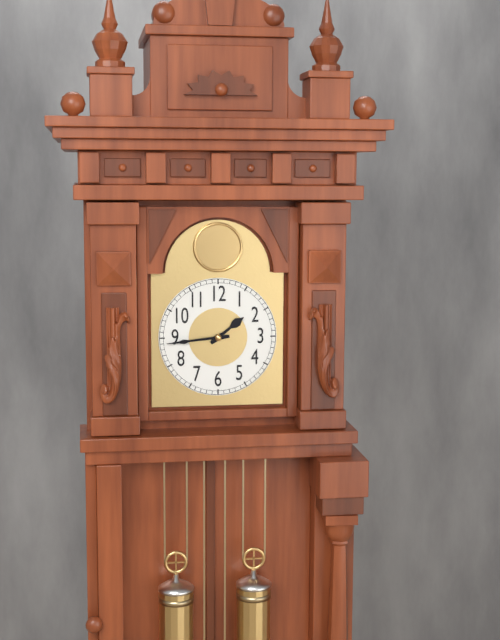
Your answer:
1:44
